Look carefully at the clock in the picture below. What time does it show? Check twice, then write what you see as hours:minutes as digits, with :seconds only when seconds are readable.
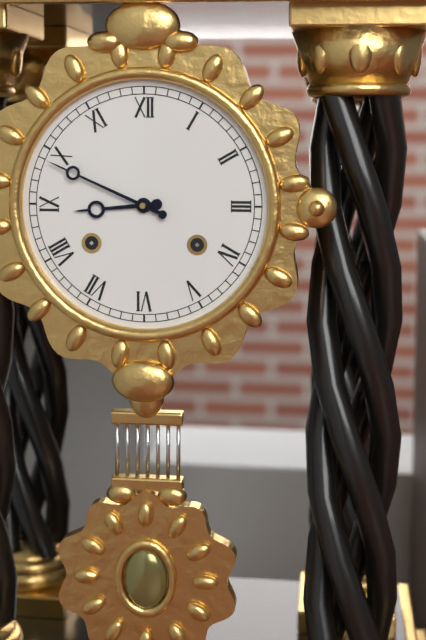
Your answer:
8:49
